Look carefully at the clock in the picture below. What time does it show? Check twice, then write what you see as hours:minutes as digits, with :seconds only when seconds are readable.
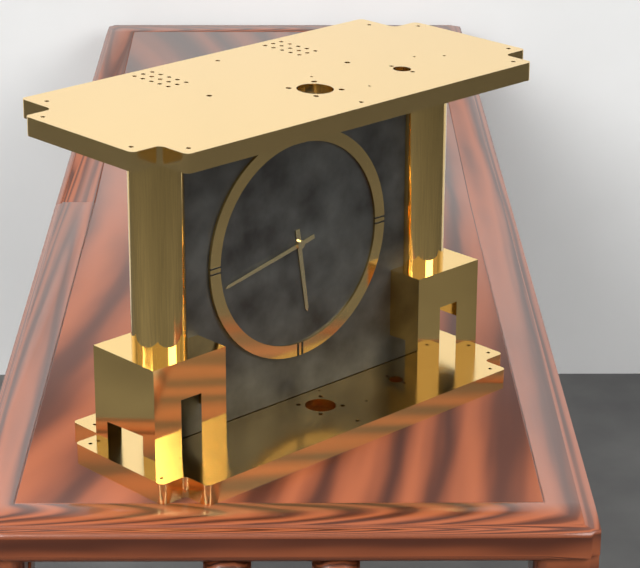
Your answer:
5:43
